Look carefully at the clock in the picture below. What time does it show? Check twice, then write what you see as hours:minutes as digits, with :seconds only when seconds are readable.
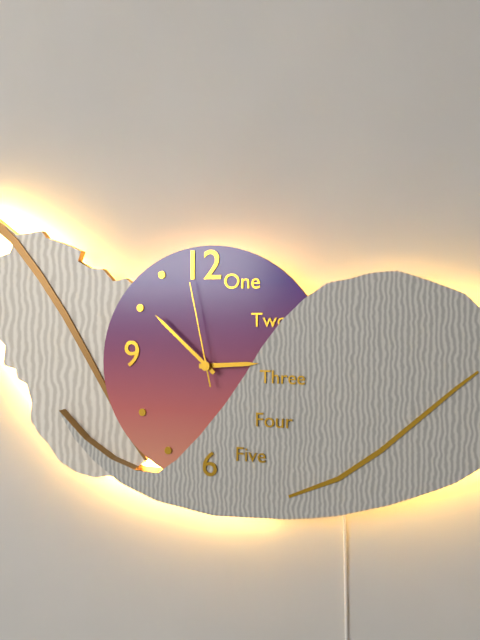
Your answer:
2:52:58
